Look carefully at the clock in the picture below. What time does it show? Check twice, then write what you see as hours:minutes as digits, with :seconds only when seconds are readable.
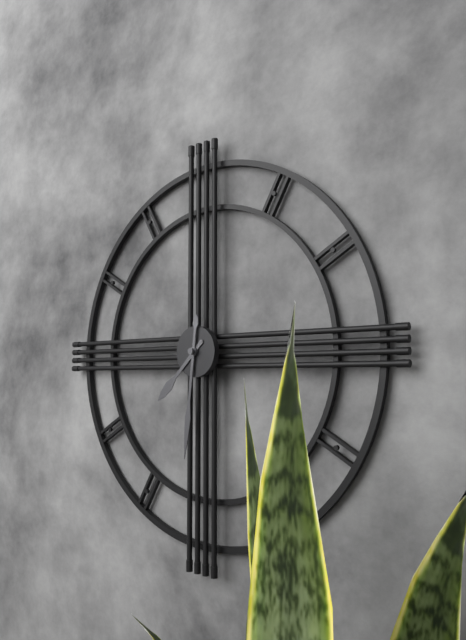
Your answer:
7:31
